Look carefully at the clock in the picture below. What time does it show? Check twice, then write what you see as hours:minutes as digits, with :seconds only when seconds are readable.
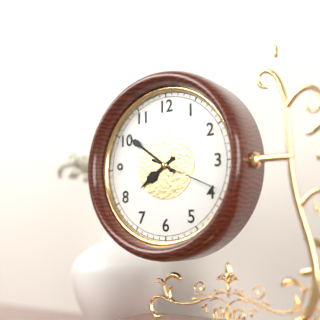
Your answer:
7:51:19
